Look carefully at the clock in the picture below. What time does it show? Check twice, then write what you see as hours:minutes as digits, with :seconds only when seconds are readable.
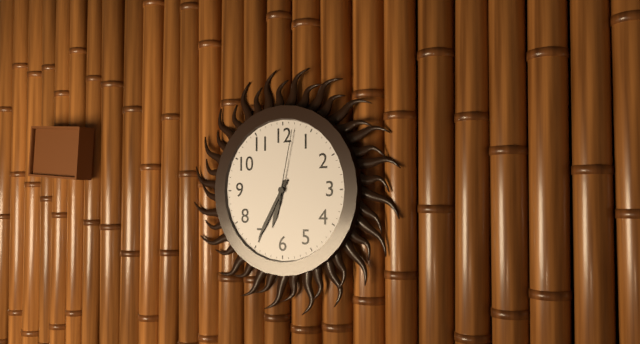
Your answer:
6:35:02
